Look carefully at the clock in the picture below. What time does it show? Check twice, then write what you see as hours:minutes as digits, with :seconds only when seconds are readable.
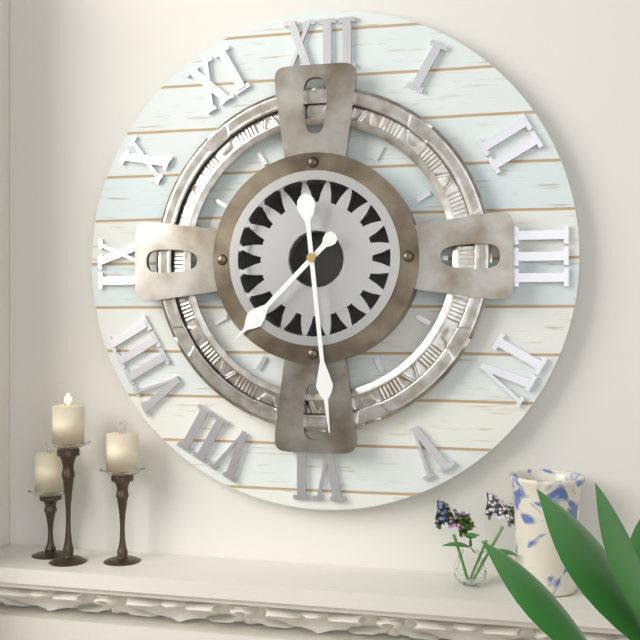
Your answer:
7:29
